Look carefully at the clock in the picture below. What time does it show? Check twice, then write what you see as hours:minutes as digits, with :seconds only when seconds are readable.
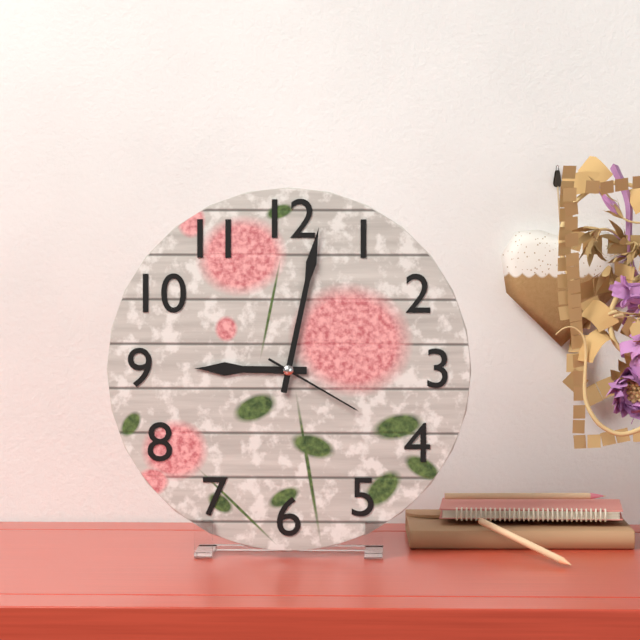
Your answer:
9:02:20
